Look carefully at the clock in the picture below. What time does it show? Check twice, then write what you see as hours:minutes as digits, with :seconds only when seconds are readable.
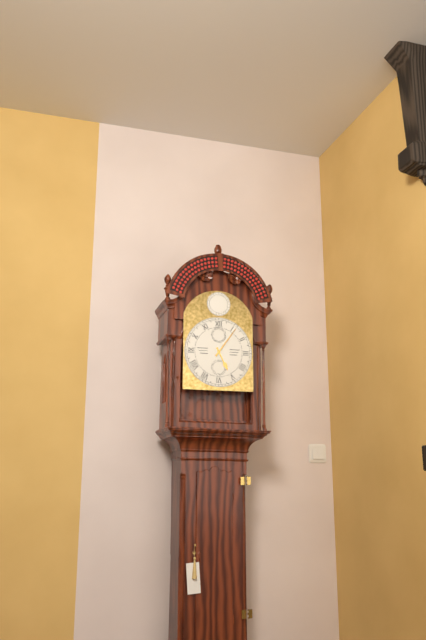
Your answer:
5:06
